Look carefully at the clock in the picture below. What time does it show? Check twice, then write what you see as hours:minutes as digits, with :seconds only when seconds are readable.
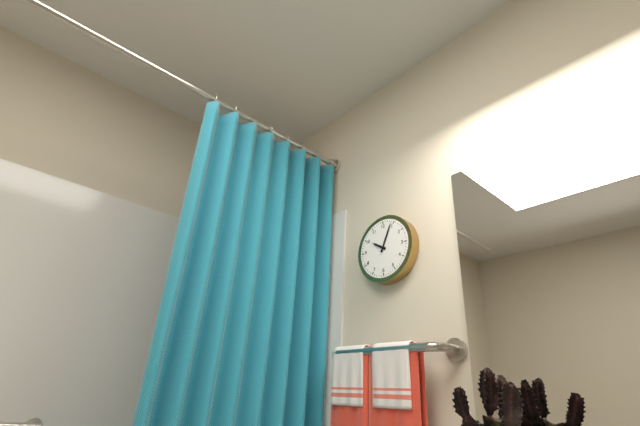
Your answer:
10:04
